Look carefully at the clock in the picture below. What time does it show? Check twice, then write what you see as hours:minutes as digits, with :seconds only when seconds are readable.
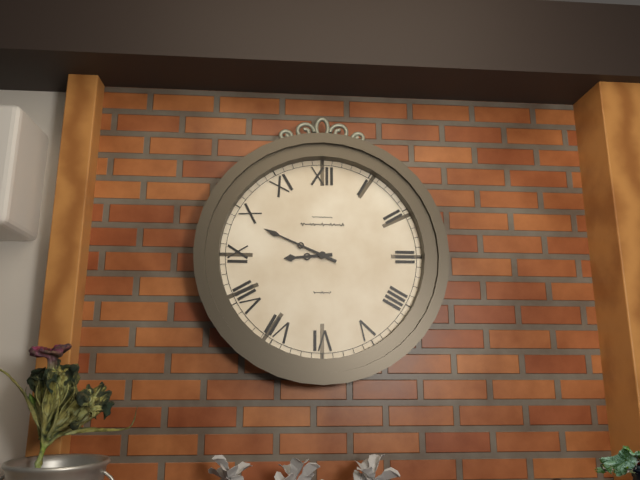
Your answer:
8:49
